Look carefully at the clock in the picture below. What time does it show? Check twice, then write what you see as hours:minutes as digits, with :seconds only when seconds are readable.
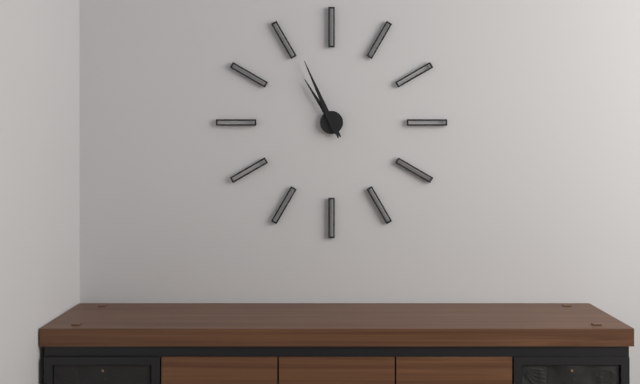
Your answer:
10:56
